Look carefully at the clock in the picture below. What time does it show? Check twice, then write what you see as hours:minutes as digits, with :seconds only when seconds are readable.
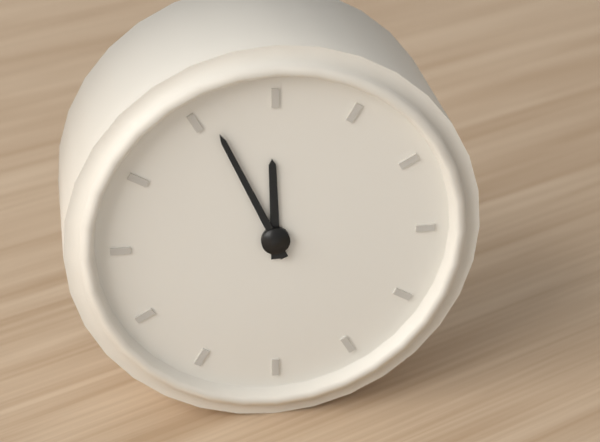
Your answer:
11:56
